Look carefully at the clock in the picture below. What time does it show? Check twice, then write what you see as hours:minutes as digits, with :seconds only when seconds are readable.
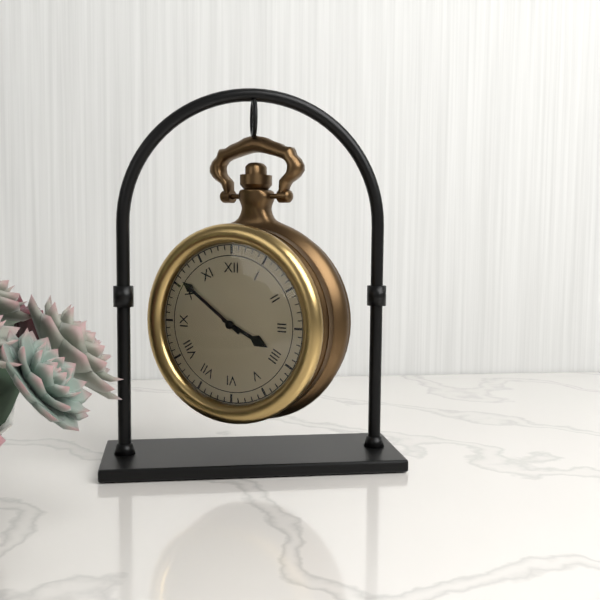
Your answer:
3:51
